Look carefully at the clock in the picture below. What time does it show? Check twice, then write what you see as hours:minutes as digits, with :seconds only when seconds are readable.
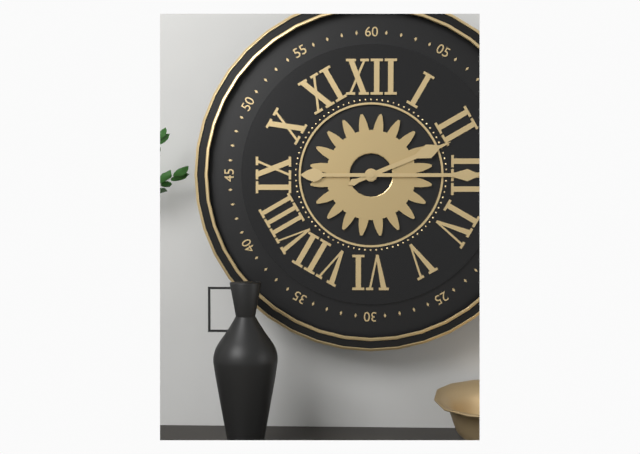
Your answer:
2:15
